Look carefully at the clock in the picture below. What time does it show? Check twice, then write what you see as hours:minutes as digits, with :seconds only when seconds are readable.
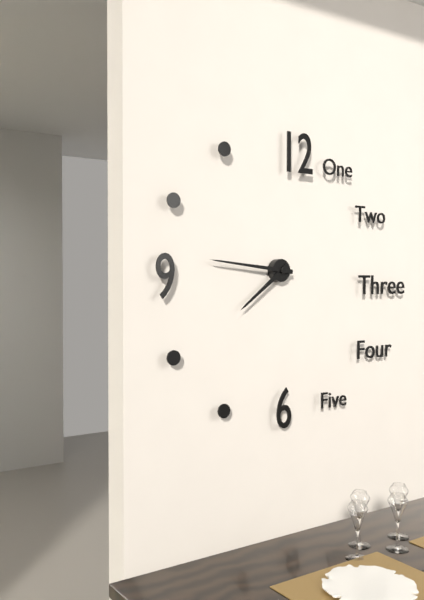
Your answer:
7:46
